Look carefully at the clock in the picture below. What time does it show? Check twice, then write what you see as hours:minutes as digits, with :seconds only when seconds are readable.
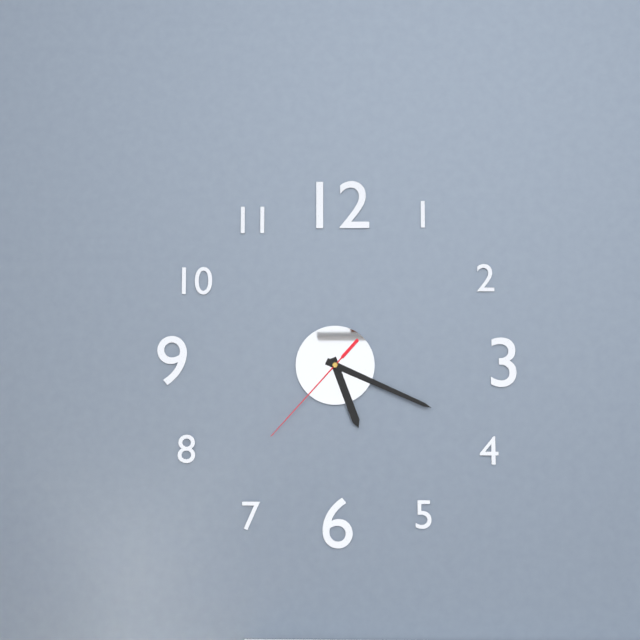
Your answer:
5:19:37
